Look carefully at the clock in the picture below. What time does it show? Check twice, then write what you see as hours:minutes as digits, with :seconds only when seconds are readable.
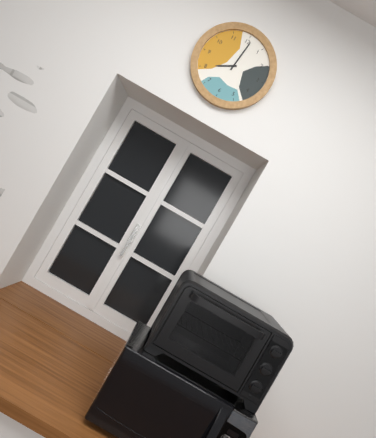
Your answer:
8:01
